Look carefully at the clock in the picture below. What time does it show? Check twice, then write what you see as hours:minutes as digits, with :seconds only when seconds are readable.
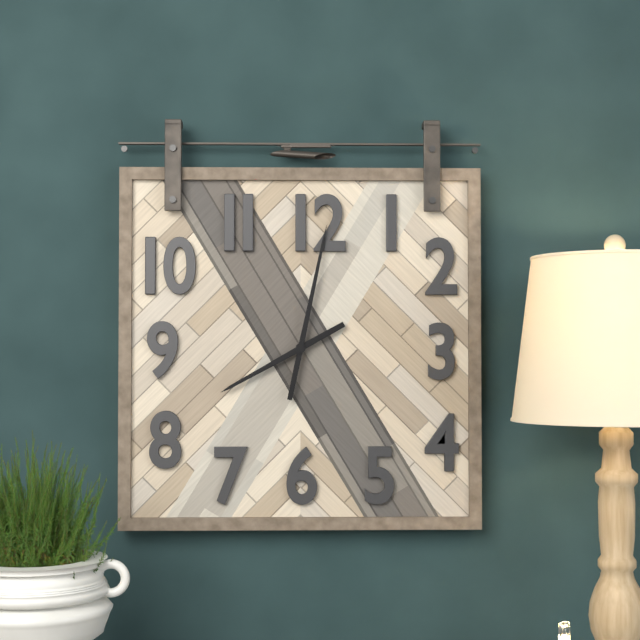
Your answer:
8:02
